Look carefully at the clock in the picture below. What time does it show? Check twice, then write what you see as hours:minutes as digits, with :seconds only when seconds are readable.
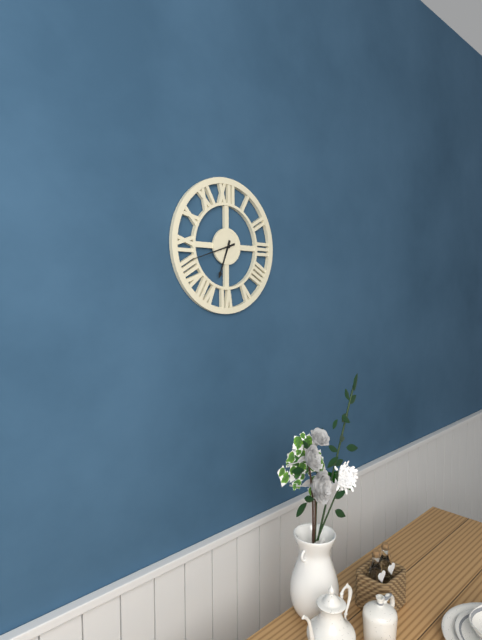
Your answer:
6:42
